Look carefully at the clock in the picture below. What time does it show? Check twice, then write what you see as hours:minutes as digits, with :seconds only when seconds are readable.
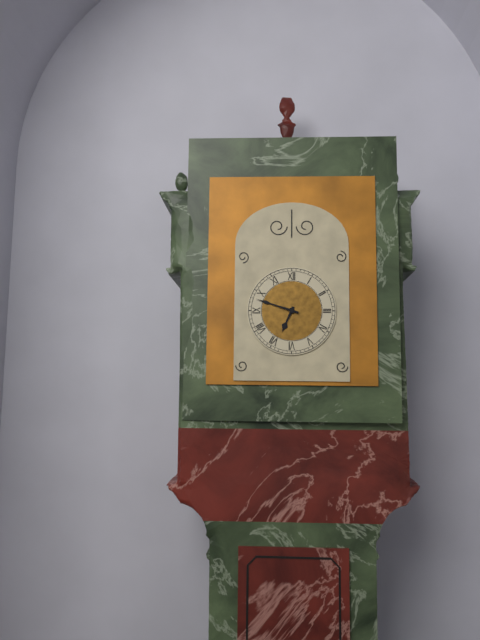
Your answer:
6:48
